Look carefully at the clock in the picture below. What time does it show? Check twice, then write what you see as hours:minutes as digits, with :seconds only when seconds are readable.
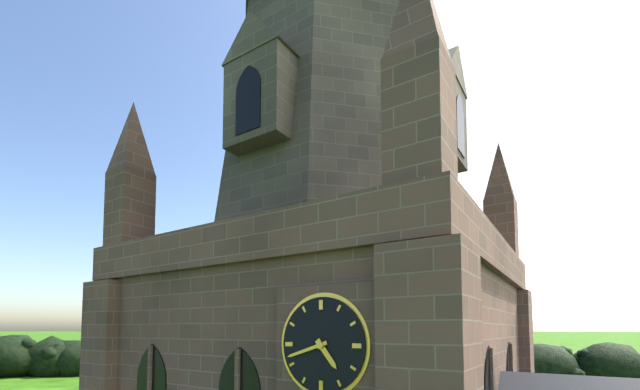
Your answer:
4:42
